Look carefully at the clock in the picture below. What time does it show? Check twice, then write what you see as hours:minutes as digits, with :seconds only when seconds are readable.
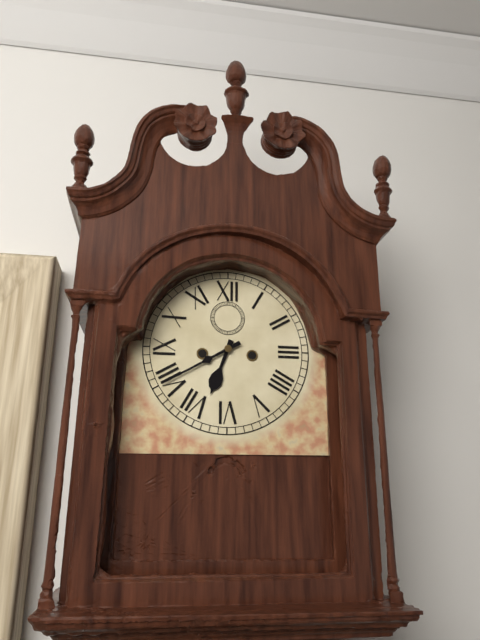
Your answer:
6:40
